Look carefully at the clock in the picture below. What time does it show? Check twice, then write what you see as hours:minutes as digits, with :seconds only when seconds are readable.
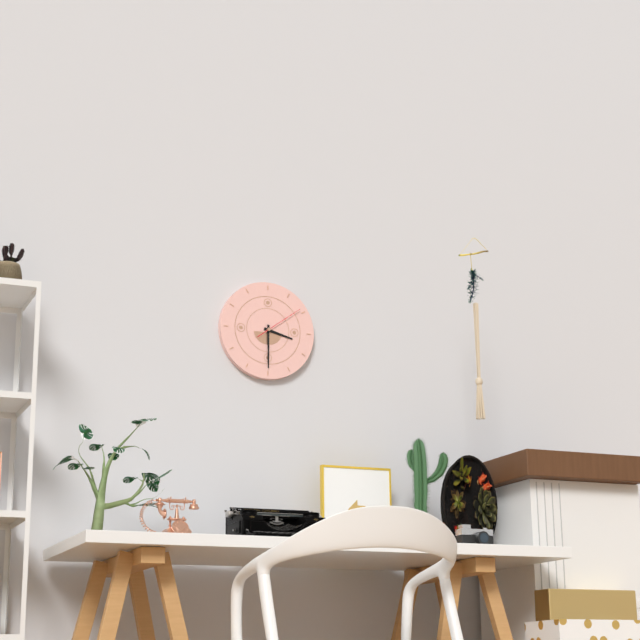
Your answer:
3:30:09
